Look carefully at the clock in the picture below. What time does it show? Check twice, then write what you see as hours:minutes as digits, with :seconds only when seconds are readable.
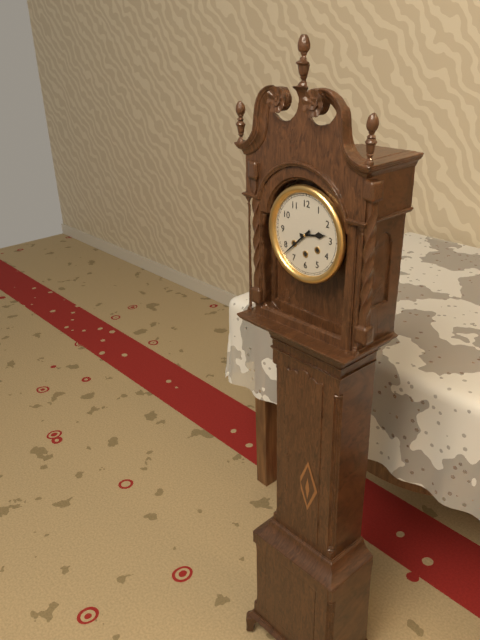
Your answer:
2:38
